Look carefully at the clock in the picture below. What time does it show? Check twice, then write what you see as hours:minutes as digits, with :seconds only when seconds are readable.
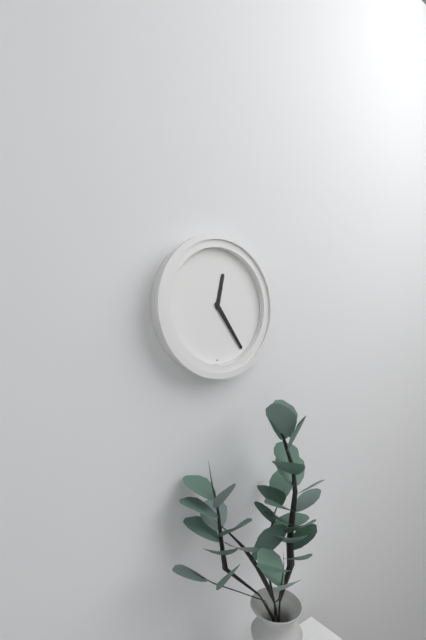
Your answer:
12:24
